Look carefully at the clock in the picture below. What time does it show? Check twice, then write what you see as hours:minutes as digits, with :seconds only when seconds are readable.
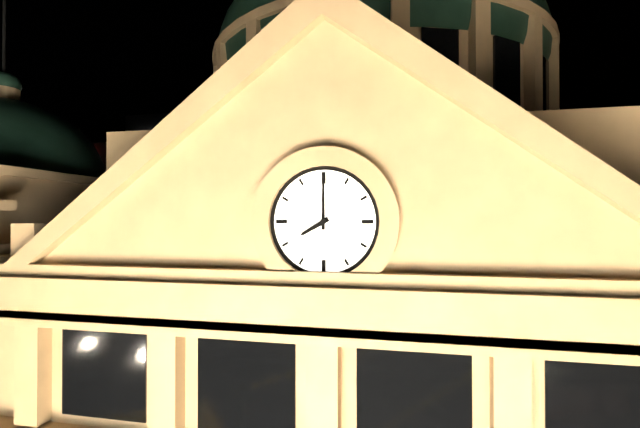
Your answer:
8:00
